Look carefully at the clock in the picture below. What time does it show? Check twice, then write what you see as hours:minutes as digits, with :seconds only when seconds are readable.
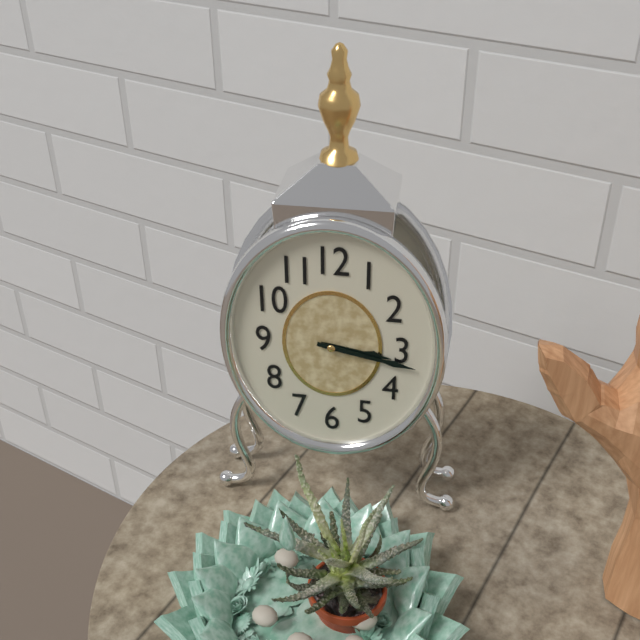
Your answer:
3:17
